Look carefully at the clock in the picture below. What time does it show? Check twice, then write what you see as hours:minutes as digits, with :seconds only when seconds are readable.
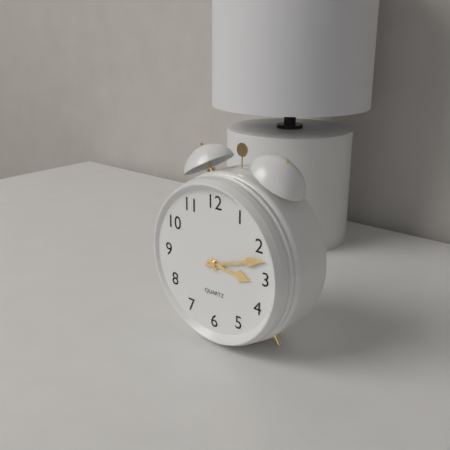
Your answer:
3:12
